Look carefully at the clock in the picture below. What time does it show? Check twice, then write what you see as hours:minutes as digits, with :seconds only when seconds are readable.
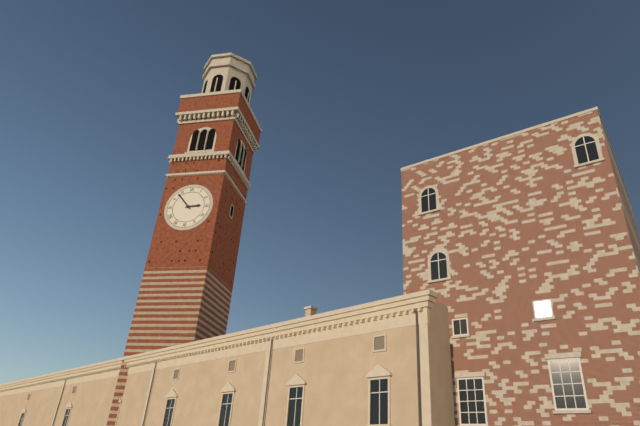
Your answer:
2:53
